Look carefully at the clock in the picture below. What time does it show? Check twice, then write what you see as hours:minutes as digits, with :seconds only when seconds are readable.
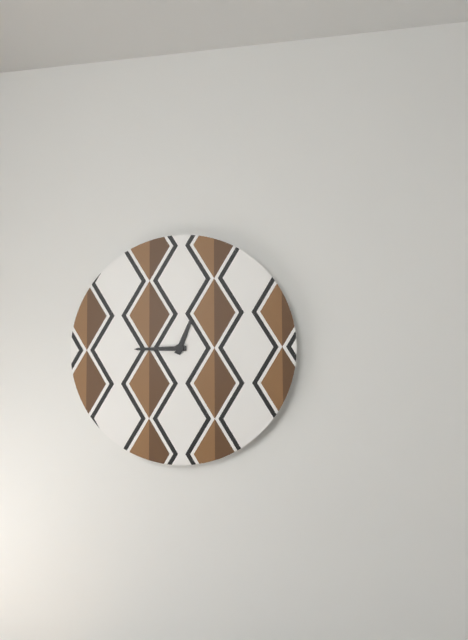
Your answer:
12:45
